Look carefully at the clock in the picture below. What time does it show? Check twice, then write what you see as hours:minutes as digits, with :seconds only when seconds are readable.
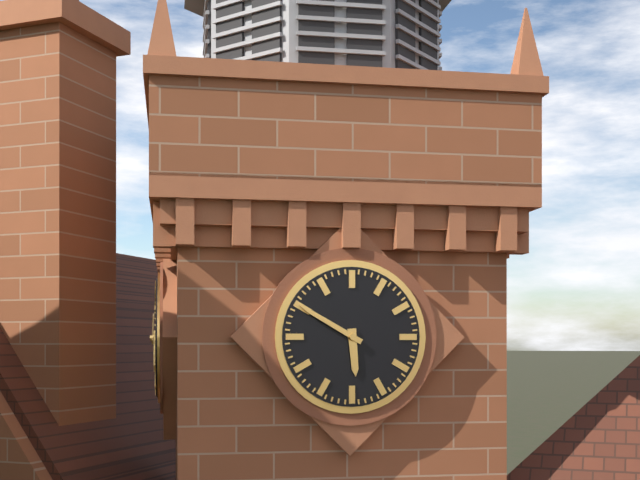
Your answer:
5:50
